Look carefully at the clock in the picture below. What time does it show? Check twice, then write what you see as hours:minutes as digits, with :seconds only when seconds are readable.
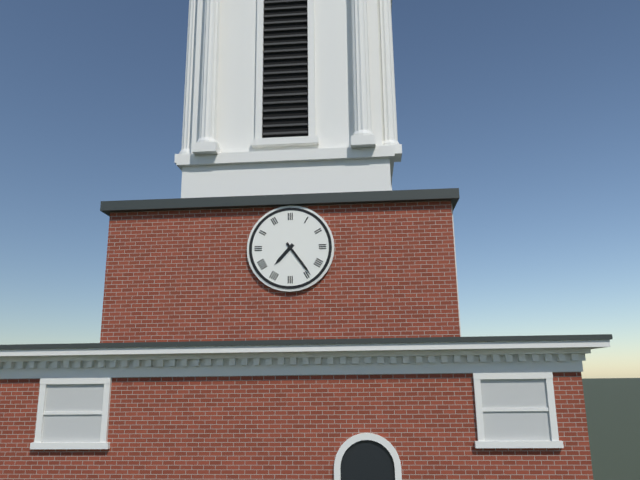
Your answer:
7:24
